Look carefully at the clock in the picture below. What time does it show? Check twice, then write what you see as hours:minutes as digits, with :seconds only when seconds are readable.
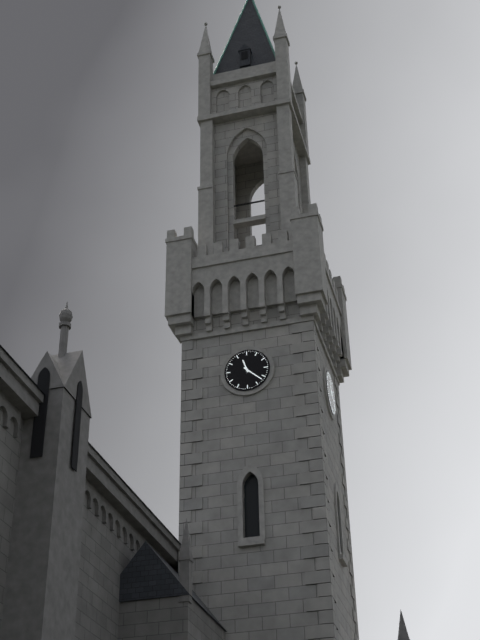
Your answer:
11:22
